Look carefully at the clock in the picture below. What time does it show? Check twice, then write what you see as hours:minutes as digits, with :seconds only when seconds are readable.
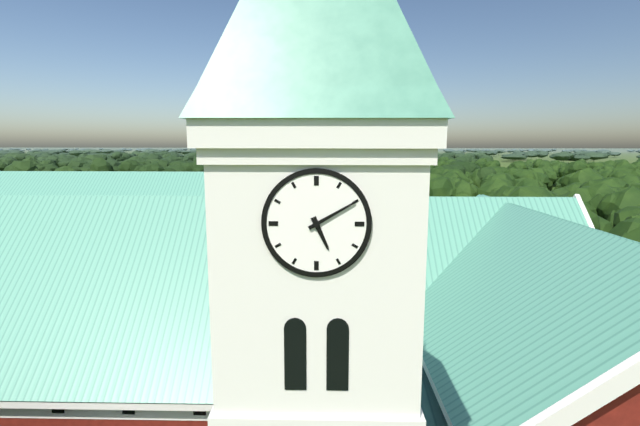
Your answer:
5:10
